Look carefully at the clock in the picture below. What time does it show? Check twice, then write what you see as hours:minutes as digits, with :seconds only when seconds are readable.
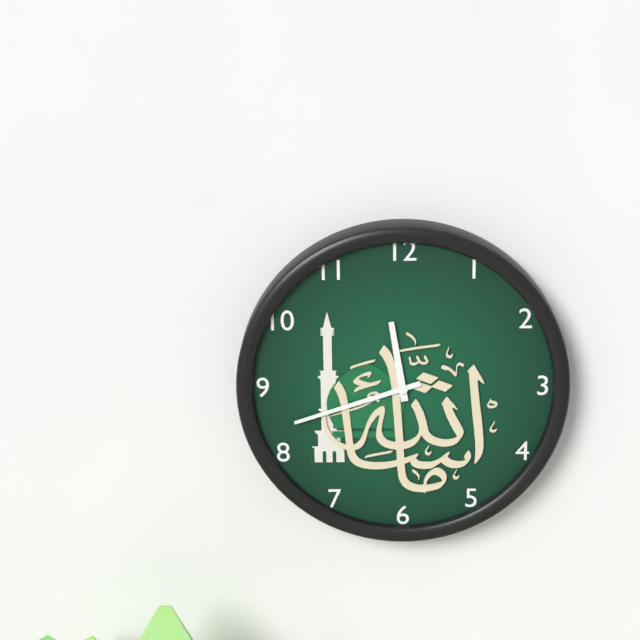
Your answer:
11:42
